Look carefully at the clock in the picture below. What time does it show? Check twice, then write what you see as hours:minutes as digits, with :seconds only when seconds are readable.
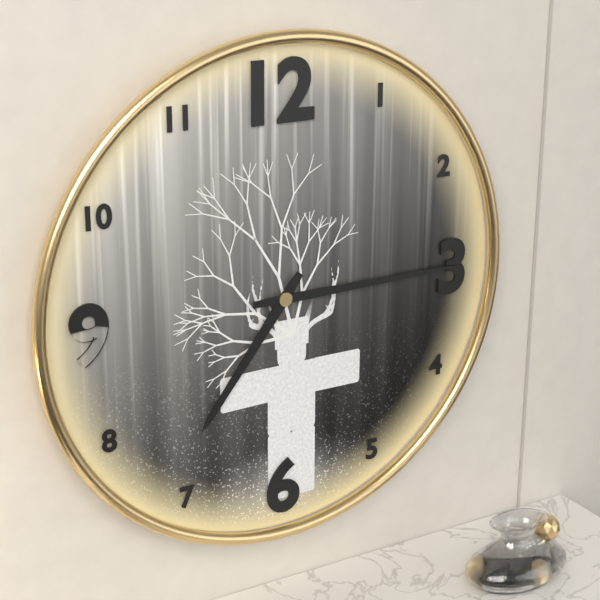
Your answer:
7:15
